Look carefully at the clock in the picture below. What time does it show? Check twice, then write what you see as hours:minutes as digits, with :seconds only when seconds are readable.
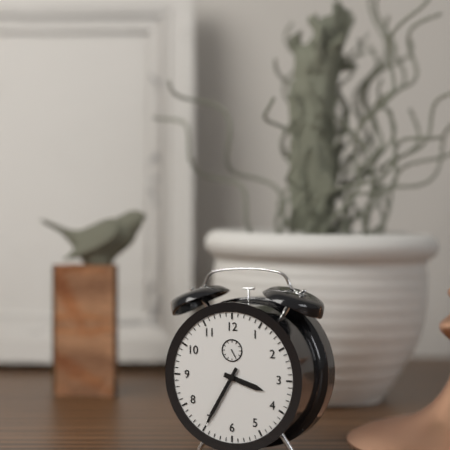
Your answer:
3:35
